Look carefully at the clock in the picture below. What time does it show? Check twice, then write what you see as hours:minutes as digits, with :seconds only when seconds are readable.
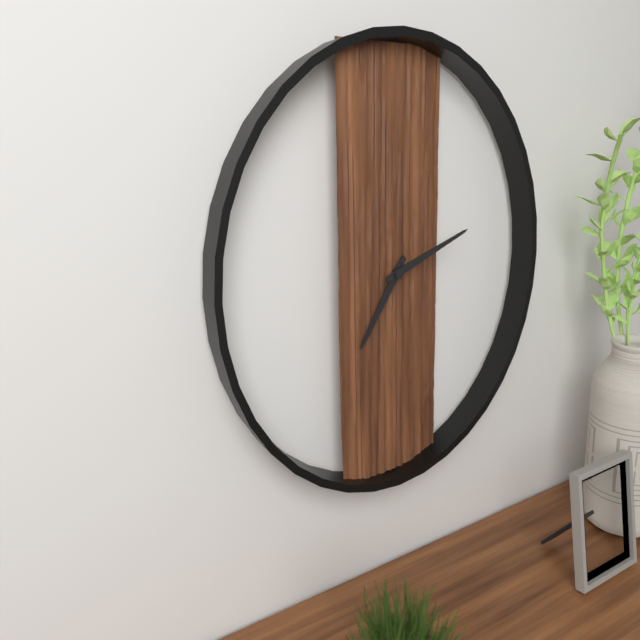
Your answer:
7:12
